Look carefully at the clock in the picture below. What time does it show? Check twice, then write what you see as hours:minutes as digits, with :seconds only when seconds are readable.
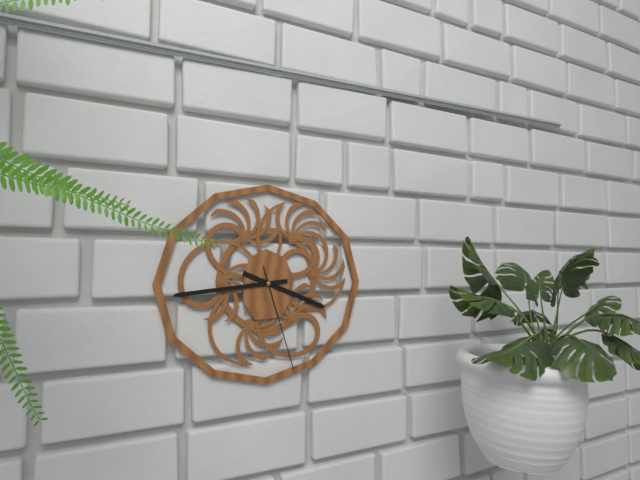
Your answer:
3:44:27
